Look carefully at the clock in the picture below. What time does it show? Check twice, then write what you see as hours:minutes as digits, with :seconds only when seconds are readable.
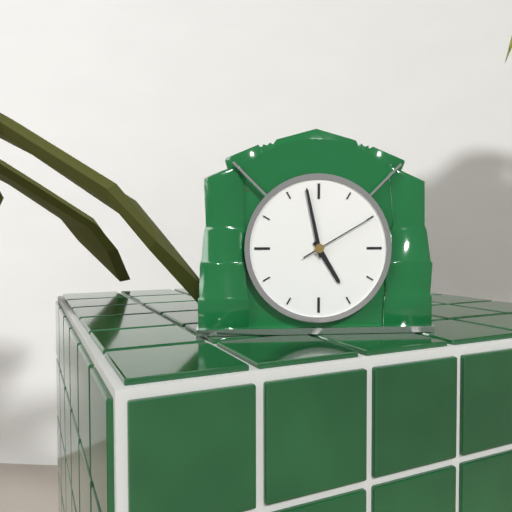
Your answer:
4:58:10
